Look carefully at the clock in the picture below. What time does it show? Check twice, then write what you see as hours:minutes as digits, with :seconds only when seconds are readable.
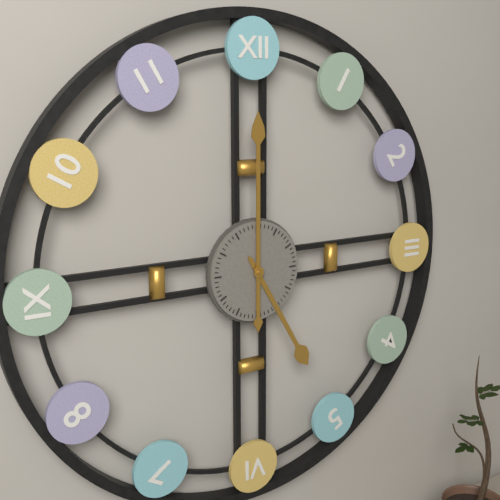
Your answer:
5:00
